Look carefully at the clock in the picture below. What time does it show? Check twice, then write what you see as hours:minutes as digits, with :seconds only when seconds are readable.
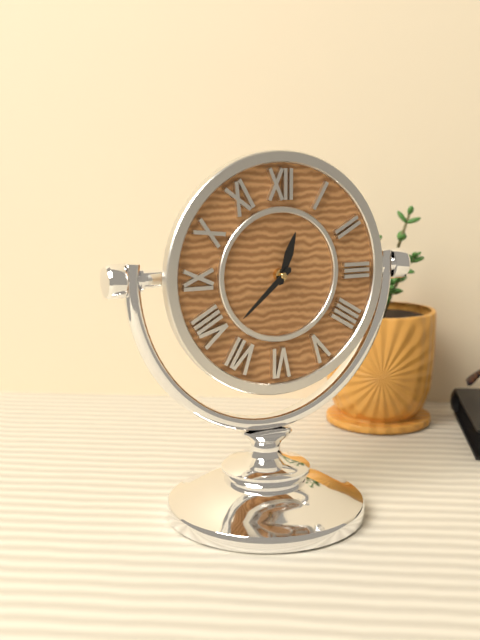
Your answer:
12:38
